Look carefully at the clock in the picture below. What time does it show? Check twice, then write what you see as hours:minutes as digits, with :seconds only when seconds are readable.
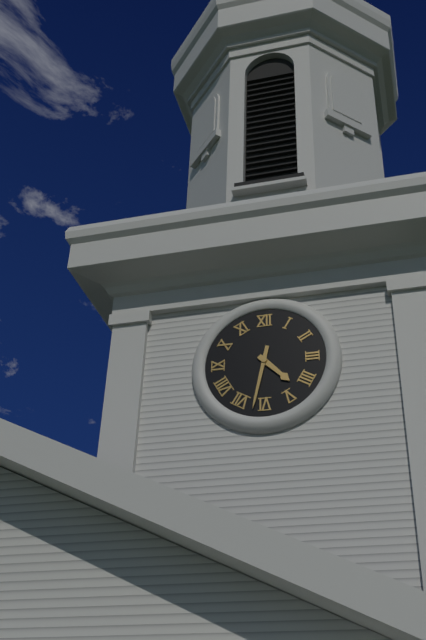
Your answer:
4:32
